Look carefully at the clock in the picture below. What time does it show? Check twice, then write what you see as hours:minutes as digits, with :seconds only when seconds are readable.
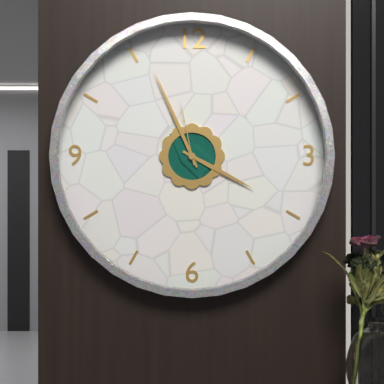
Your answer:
3:56:58
